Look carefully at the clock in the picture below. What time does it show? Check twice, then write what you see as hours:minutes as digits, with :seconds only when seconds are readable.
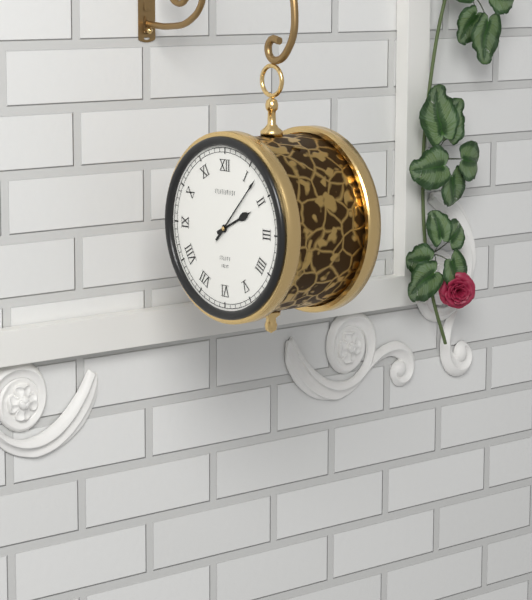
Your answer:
2:07
